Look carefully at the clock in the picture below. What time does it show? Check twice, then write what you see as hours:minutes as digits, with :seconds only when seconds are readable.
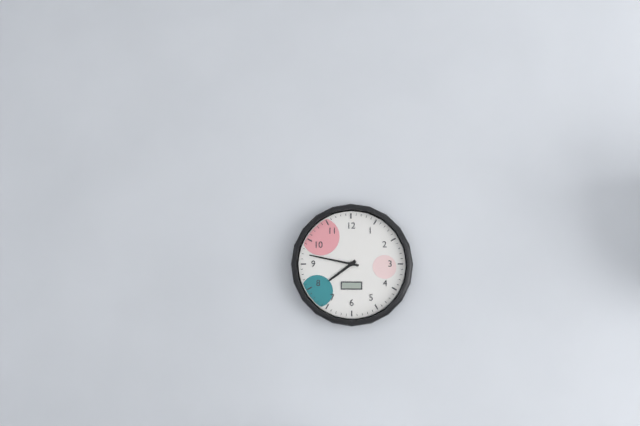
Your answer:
7:47
